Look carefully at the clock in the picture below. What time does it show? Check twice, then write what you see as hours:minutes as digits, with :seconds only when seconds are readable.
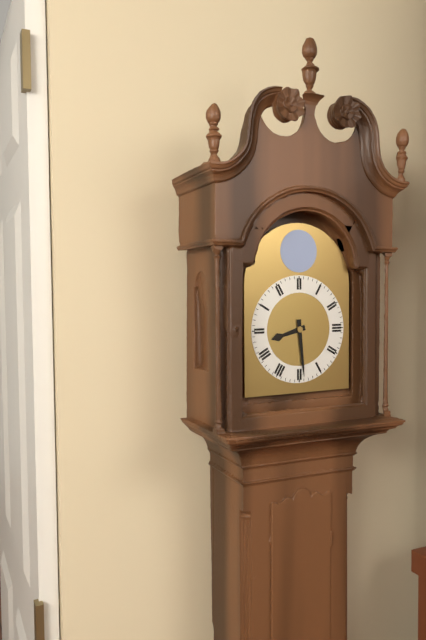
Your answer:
8:29
